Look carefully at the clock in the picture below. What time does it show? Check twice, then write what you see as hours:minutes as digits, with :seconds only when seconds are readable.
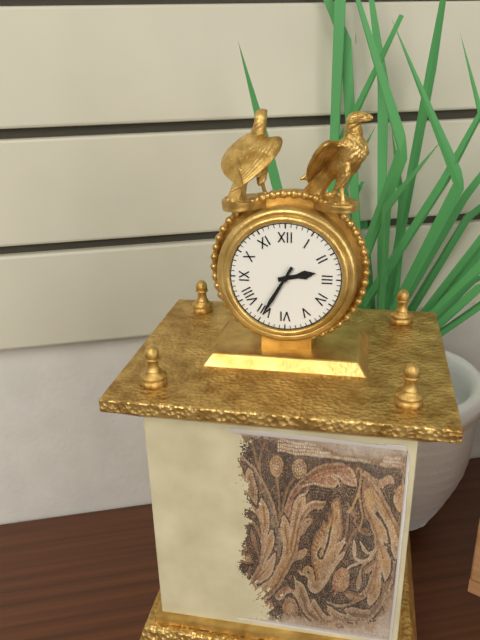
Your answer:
2:35
